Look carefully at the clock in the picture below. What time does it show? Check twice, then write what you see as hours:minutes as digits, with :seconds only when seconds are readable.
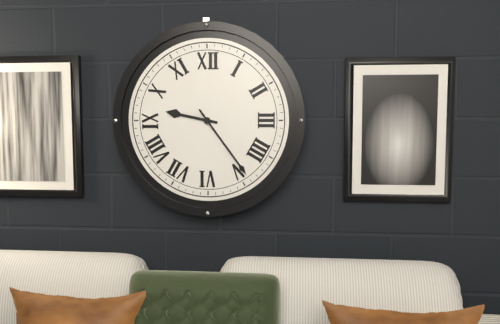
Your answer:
9:24
